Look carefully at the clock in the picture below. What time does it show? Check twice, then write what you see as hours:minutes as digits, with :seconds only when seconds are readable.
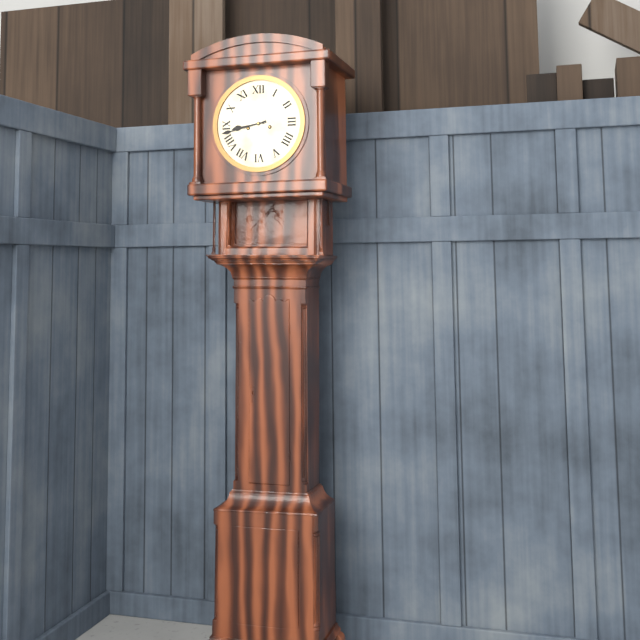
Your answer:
8:43
